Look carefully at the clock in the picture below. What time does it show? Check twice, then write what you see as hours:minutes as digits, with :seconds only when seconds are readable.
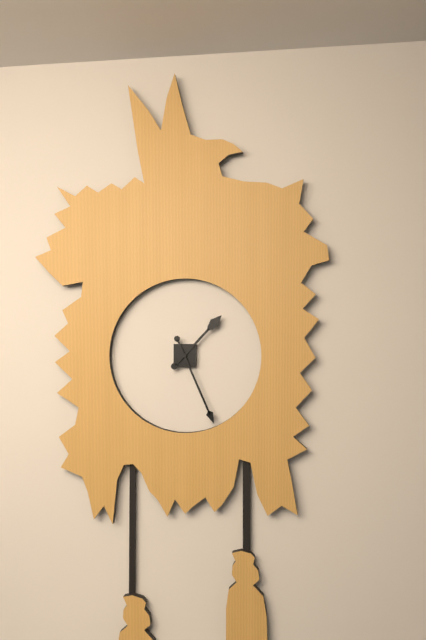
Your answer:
1:26
